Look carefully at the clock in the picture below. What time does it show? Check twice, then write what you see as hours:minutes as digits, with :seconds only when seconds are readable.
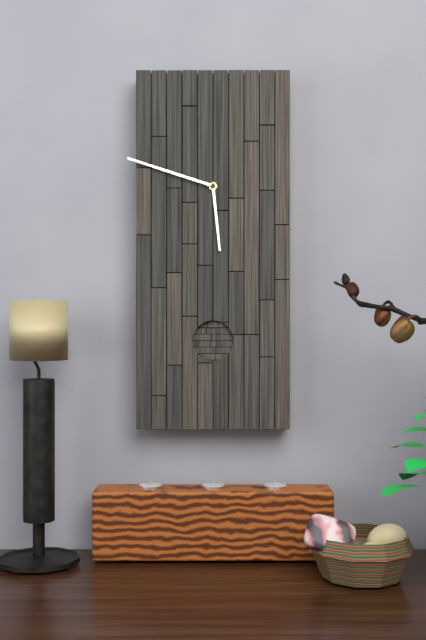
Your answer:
5:48
